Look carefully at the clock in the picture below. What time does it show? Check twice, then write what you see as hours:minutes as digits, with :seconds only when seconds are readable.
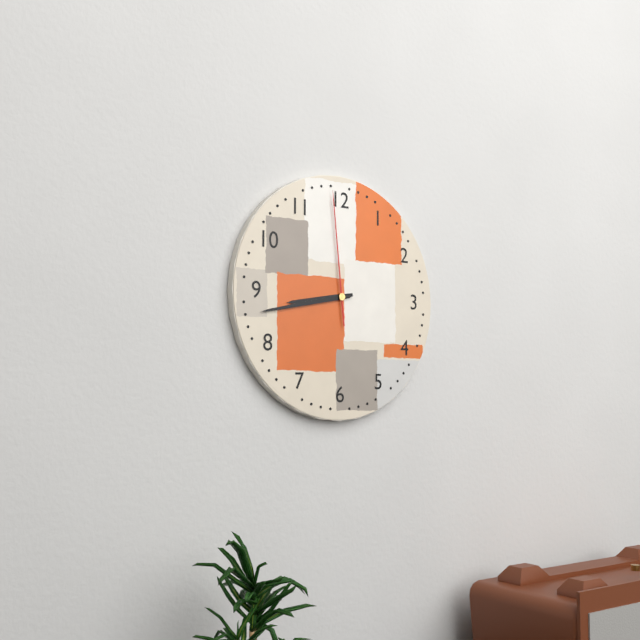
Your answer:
8:43:59
